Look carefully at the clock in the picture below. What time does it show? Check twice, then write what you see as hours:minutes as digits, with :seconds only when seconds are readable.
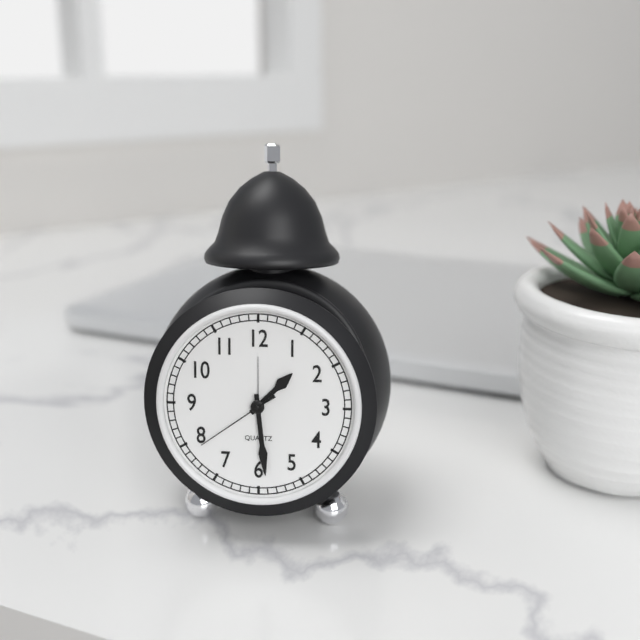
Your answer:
1:29:39
